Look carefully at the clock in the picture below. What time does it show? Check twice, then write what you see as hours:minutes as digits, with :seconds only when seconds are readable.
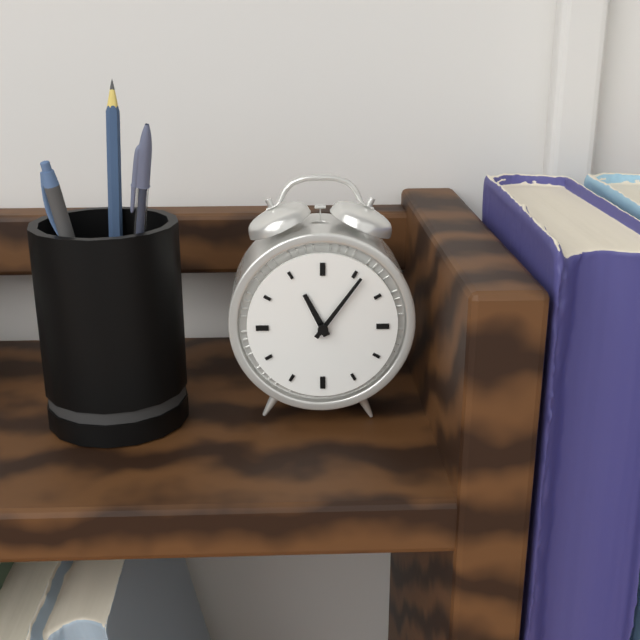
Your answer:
11:06
